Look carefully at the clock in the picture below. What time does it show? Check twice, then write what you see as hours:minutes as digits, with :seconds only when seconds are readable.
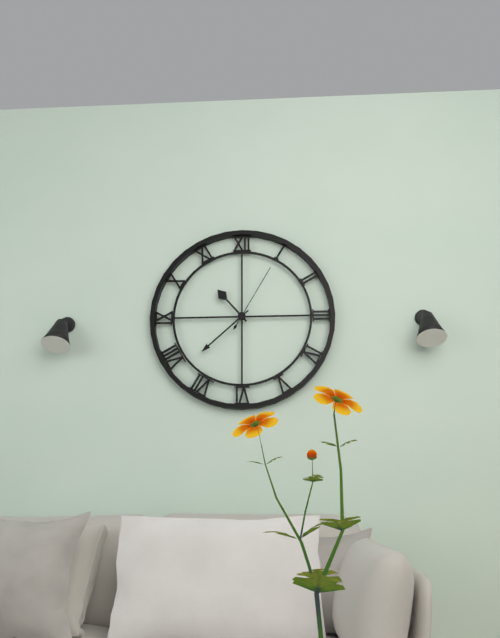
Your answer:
10:38:05
